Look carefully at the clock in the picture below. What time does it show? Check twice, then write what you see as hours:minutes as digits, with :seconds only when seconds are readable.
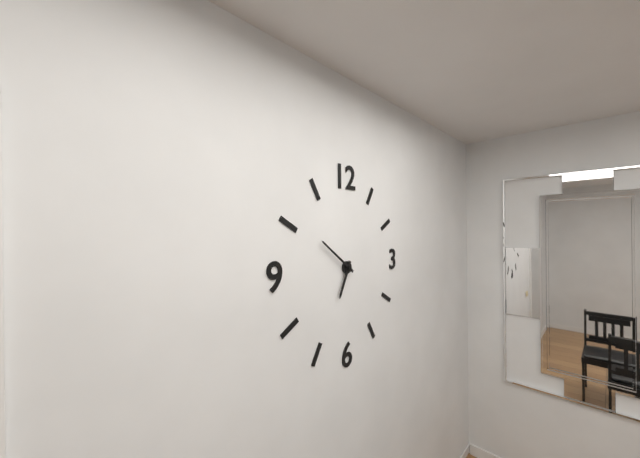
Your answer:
6:51
